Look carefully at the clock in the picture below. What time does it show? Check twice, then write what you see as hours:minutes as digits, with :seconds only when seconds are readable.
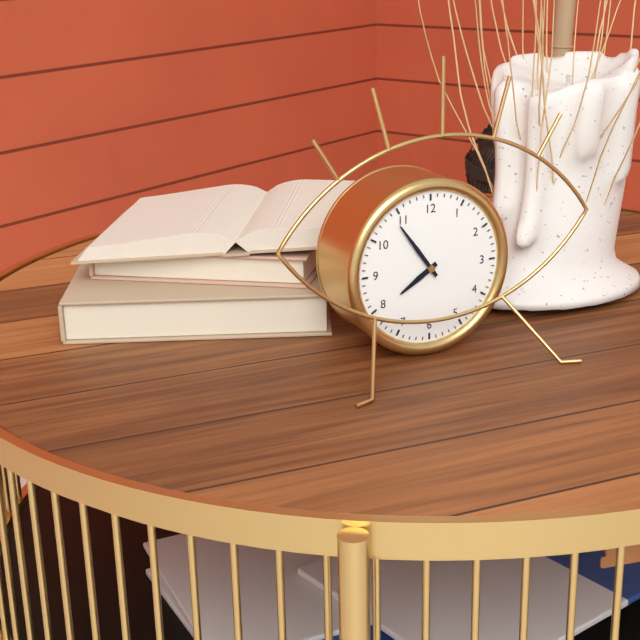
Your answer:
7:54
